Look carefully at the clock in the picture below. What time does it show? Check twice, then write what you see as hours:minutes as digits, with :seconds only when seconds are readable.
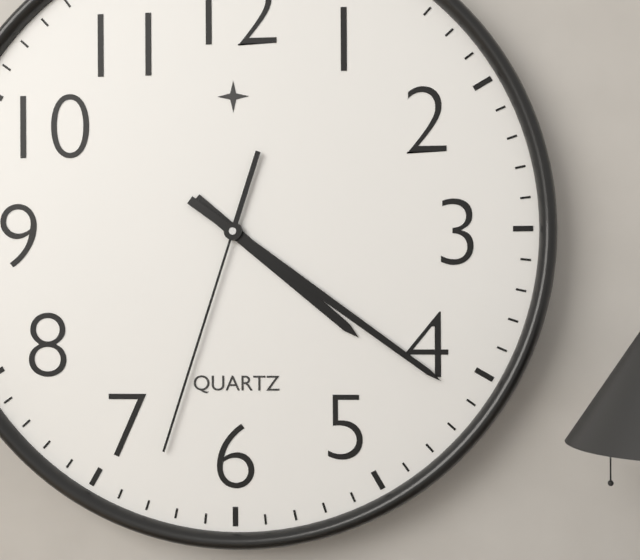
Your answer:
4:21:33
